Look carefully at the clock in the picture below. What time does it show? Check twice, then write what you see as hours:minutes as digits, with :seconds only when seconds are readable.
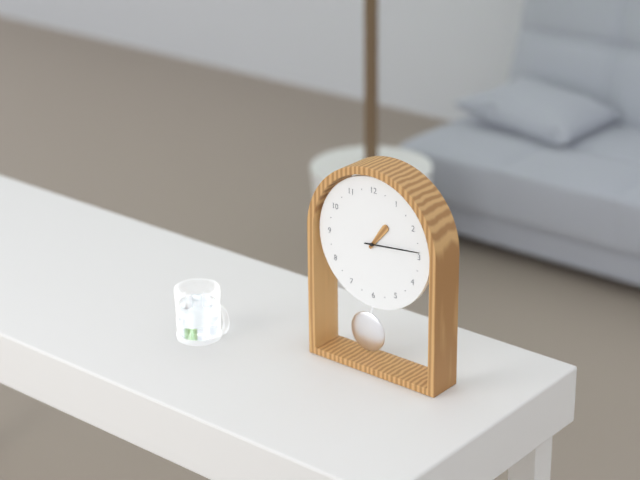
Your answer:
1:14
